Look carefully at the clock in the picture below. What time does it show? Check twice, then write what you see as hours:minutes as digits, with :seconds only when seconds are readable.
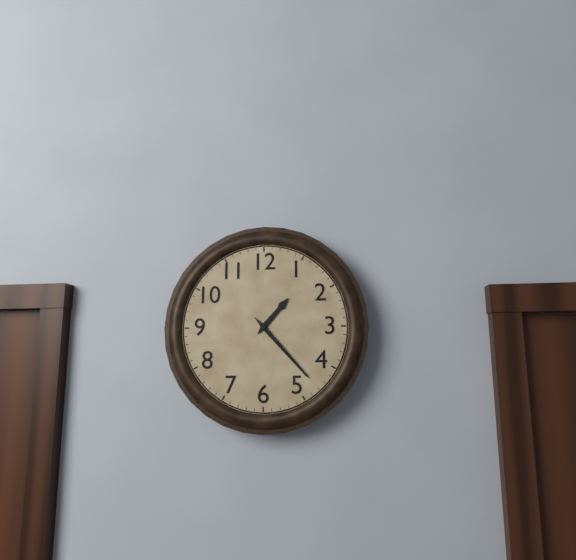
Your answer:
1:23
